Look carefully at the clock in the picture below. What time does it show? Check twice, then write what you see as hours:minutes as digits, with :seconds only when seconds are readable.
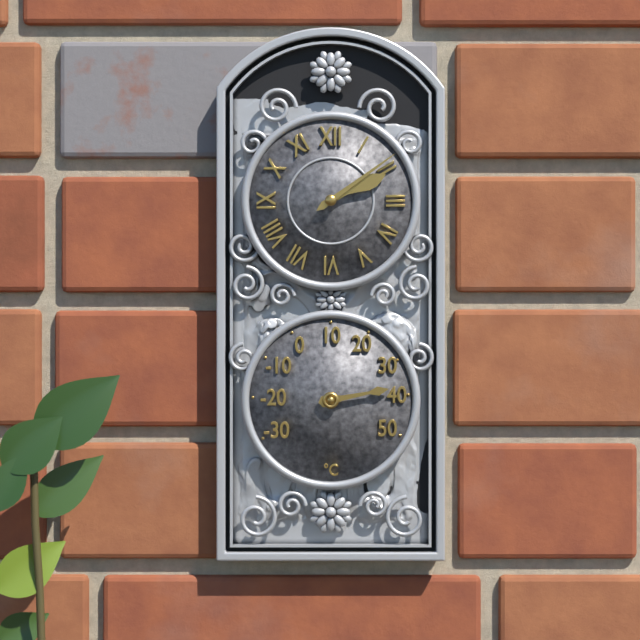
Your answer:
2:09
